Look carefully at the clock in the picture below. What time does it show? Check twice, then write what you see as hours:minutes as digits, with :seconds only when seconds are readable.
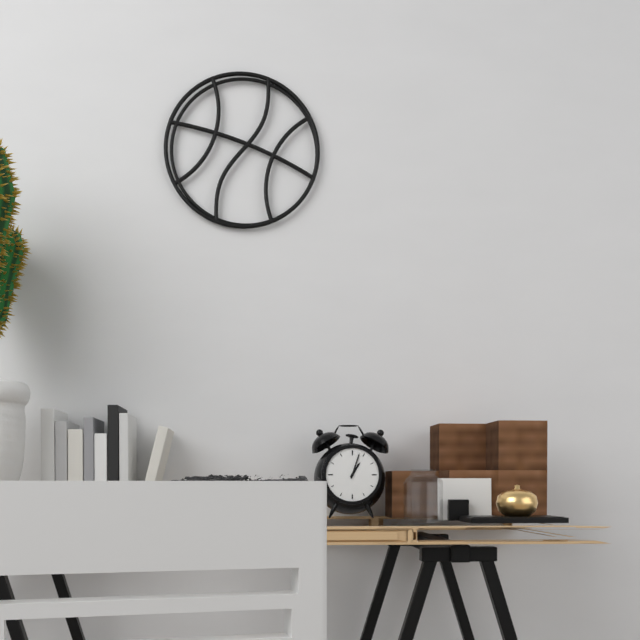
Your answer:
1:03
